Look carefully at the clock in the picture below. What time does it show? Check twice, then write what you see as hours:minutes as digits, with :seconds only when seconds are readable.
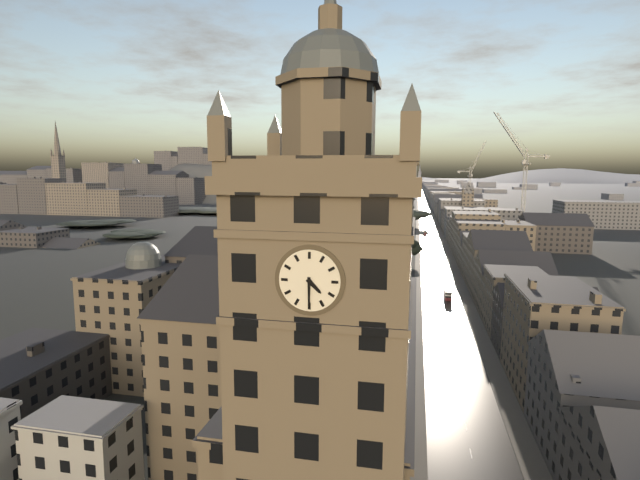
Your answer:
4:30
